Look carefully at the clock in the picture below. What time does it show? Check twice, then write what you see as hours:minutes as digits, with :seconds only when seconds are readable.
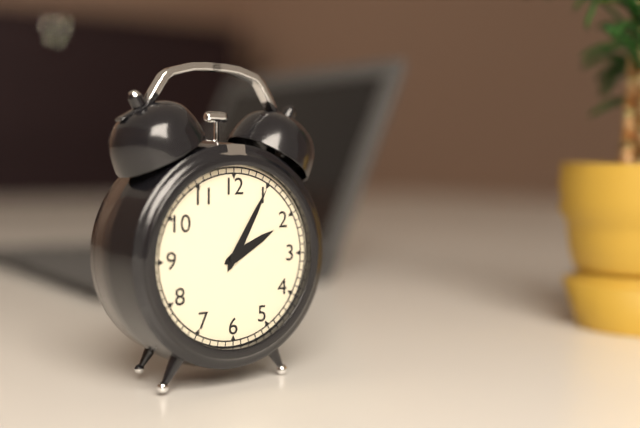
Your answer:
2:05
